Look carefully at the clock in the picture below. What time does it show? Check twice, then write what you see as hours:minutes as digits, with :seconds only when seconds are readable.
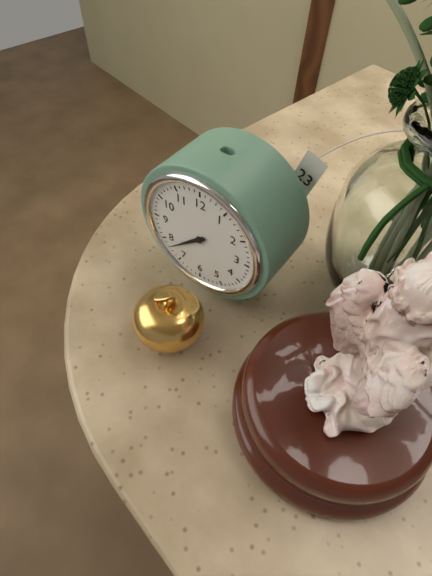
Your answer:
7:38
